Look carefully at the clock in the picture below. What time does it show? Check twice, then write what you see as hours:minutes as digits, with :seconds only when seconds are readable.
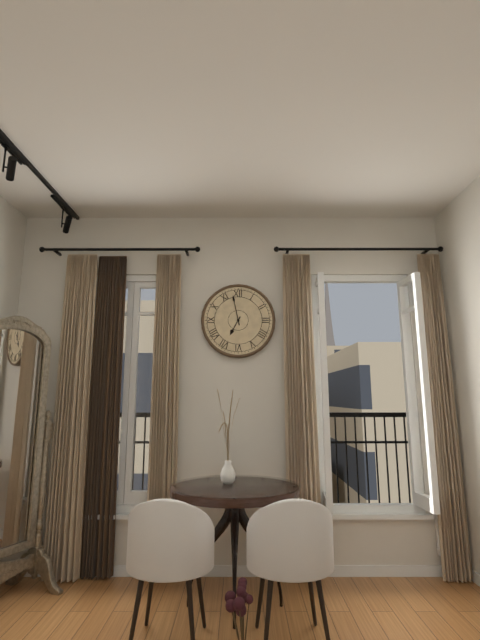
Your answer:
6:58
